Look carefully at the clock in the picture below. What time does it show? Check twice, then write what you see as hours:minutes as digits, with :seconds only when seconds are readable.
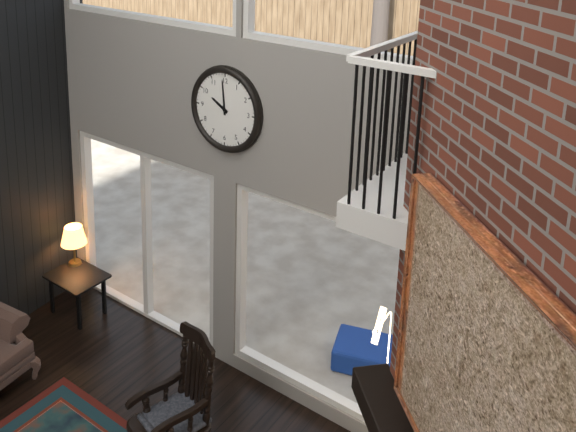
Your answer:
9:59
